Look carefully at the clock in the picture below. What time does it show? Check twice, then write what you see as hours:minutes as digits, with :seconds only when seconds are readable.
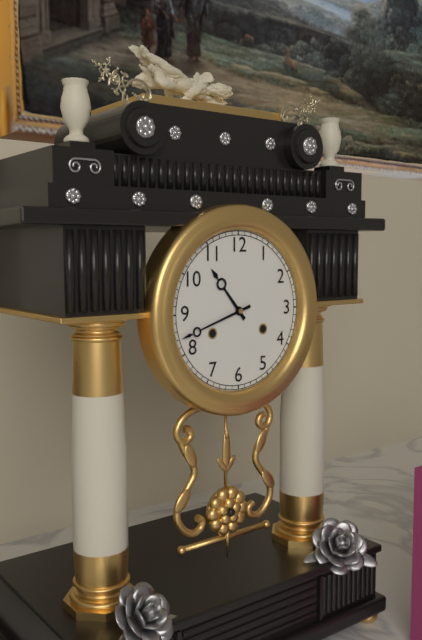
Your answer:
10:42
